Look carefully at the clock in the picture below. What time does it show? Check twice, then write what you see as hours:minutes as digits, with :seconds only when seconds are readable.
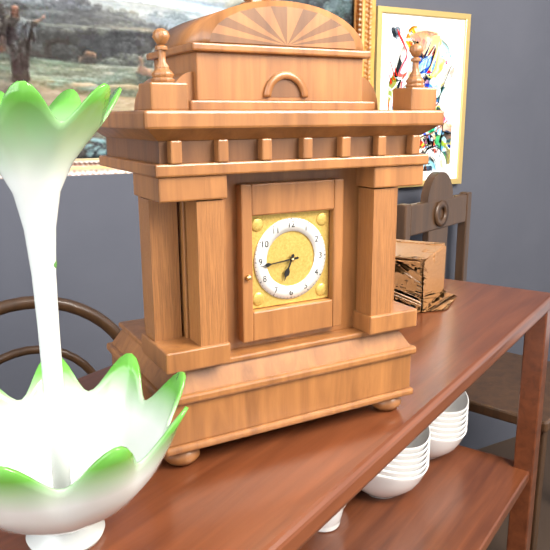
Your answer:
6:44
